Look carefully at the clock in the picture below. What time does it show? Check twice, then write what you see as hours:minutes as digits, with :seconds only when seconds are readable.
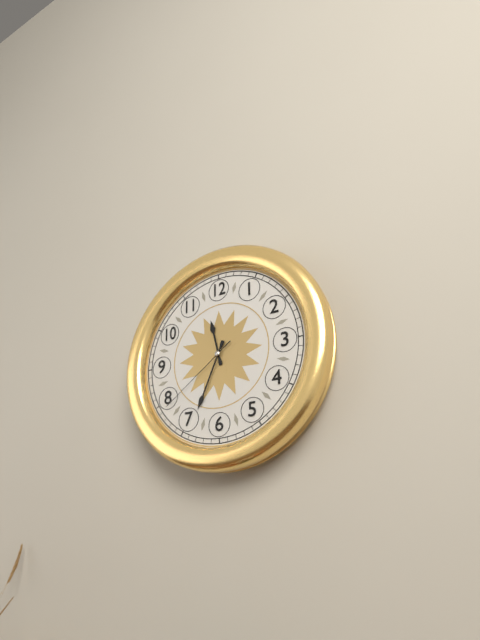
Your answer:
11:34:39
